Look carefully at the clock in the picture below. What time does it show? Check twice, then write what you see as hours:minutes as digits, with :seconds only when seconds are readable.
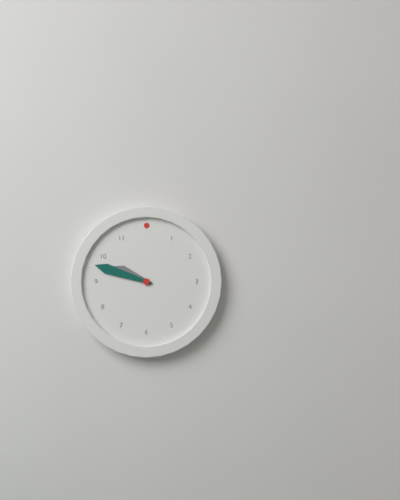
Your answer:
9:48
